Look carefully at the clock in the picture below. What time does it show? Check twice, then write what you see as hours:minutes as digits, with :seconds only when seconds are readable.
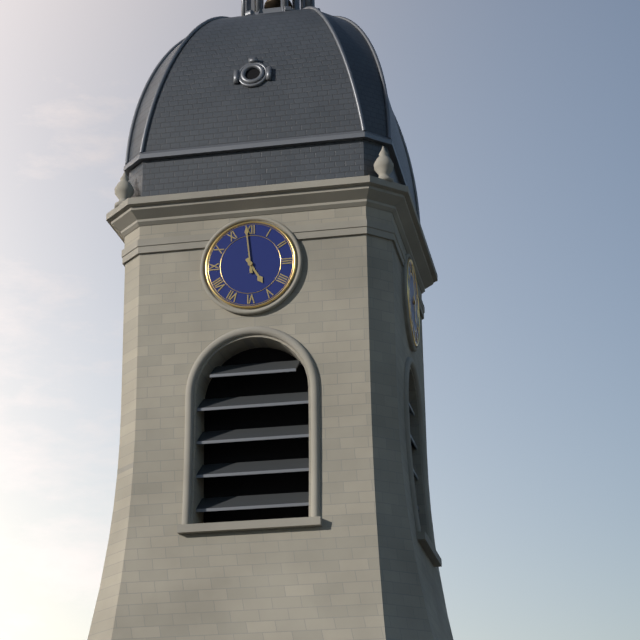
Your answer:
4:59
